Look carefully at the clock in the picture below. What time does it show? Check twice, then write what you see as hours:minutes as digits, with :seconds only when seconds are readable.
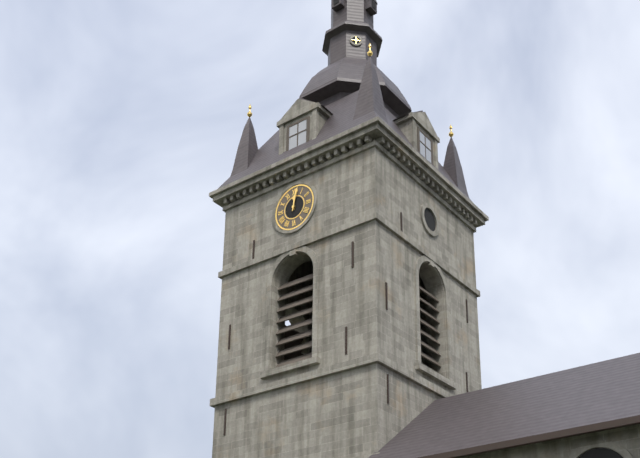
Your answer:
12:02
